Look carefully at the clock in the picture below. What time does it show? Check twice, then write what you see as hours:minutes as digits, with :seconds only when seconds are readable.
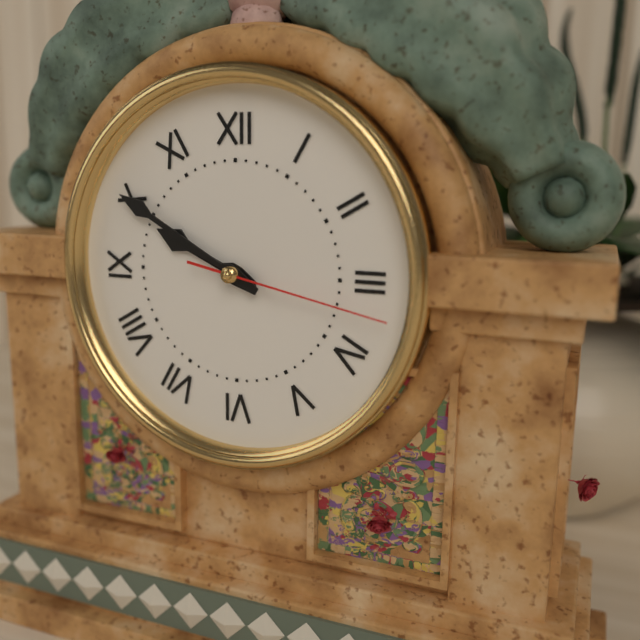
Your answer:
9:50:17
